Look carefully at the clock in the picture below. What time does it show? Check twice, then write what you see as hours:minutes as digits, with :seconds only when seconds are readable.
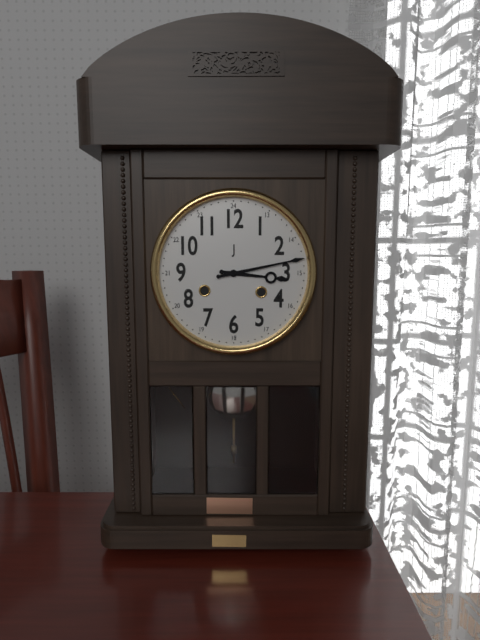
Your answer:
3:13
